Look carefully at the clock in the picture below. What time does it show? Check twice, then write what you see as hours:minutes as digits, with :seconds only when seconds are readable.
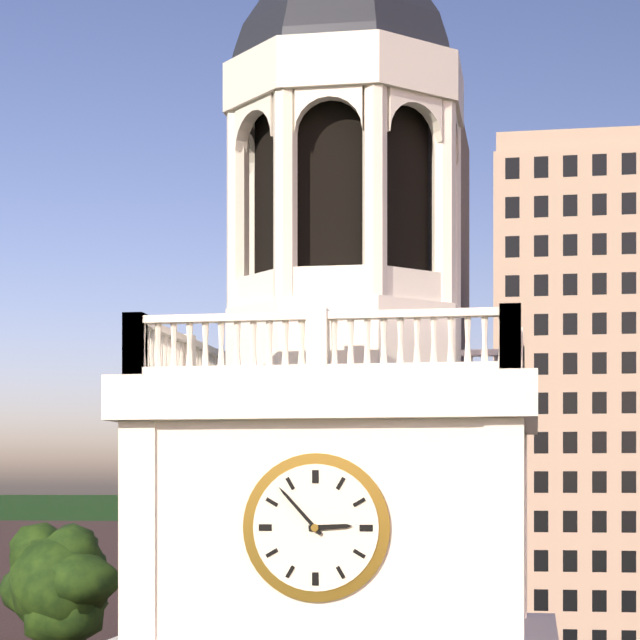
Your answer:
2:53
